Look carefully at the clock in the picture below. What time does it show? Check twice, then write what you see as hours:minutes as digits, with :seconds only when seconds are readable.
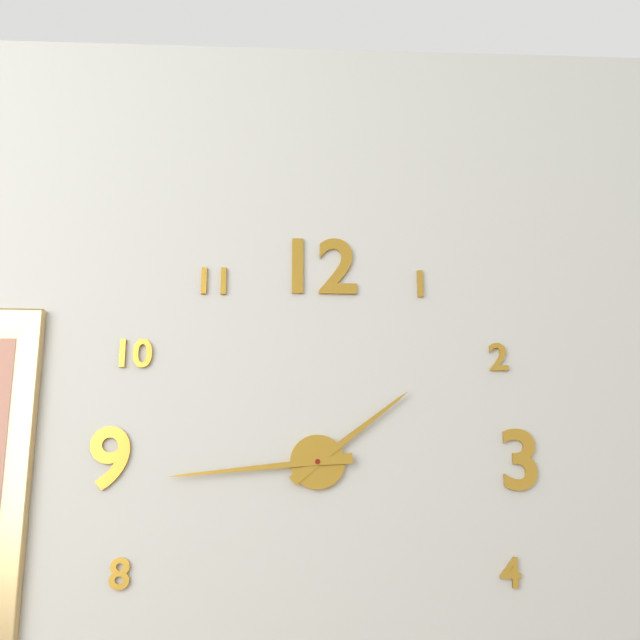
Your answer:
1:44
